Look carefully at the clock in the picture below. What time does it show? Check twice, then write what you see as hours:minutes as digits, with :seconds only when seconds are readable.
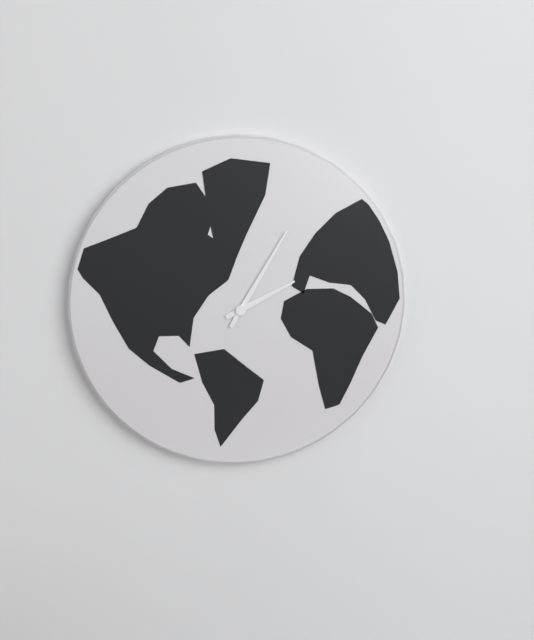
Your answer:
2:05
